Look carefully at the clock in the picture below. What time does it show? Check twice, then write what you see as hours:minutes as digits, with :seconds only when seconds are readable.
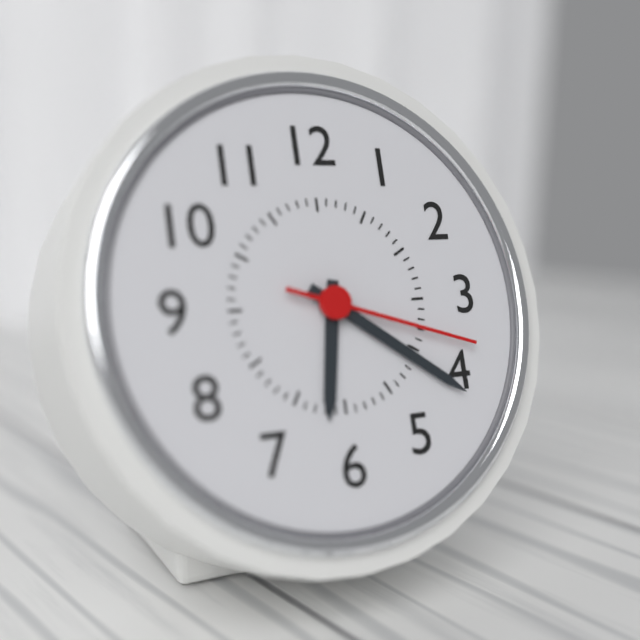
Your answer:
6:21:18
